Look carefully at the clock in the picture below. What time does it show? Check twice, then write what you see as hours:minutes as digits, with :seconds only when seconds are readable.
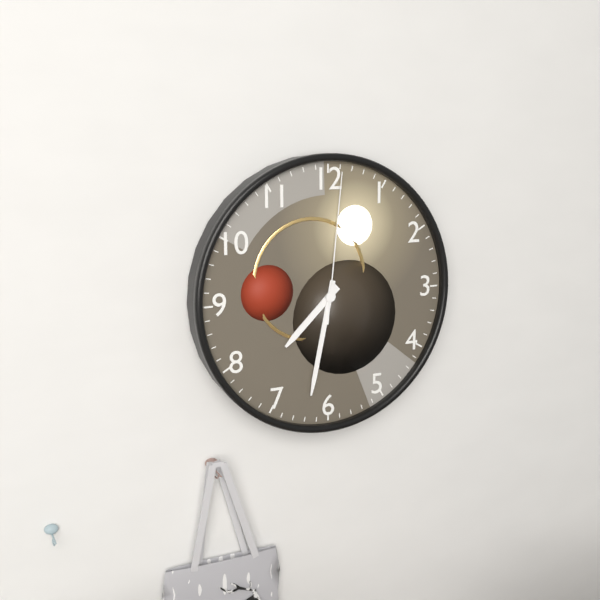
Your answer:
7:32:01
